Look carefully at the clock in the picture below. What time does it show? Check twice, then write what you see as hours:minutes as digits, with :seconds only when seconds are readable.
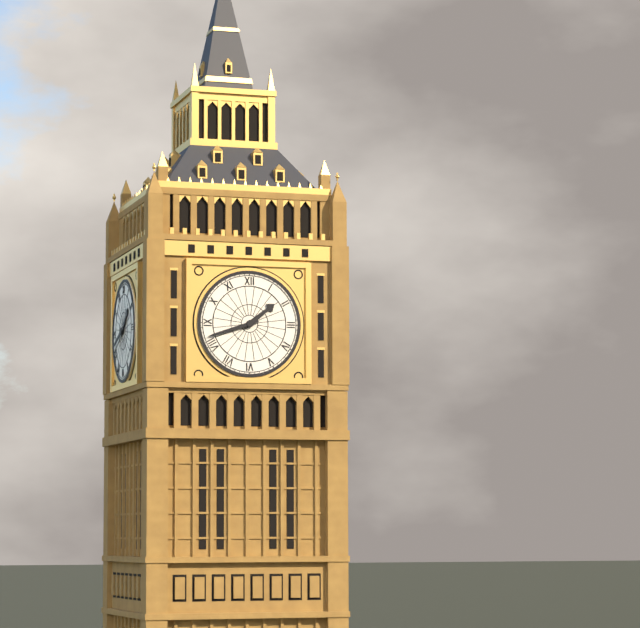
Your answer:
1:42
